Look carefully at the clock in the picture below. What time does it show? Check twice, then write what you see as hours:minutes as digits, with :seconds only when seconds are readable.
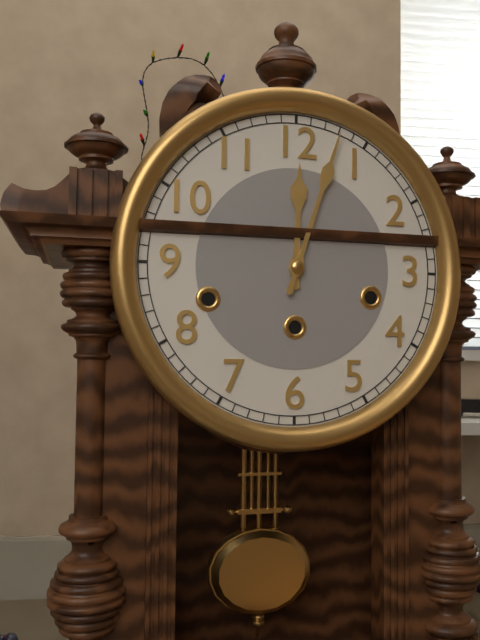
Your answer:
12:03
